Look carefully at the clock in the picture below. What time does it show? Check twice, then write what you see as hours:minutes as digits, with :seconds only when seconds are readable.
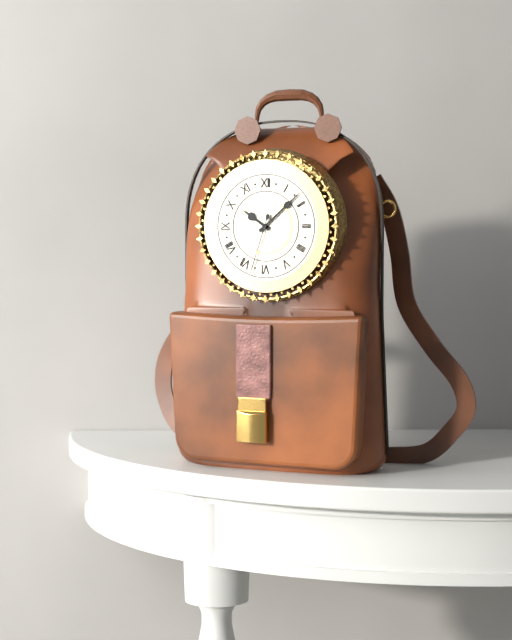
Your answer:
10:08:33
